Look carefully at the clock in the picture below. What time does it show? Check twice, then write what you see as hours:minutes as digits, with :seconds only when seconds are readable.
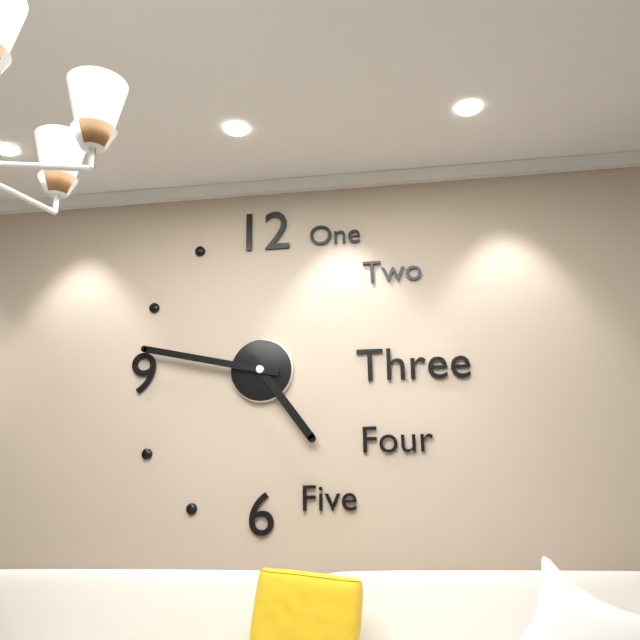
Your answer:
4:47
